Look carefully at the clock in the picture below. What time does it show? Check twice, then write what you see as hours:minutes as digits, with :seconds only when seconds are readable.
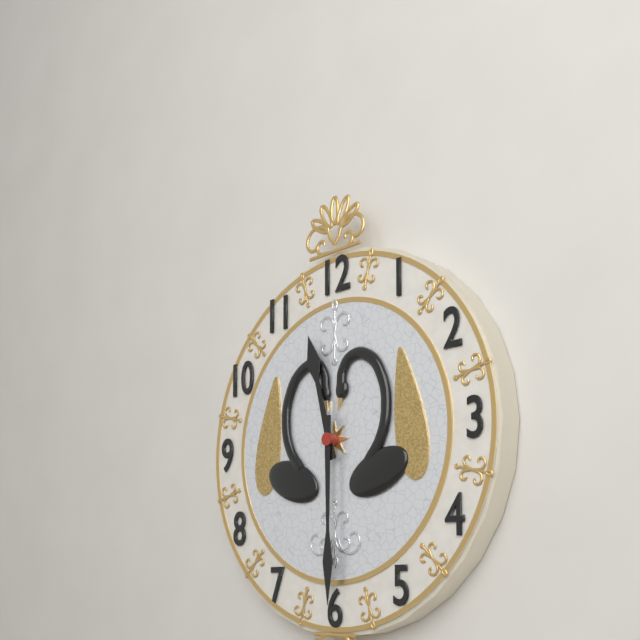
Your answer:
11:30
